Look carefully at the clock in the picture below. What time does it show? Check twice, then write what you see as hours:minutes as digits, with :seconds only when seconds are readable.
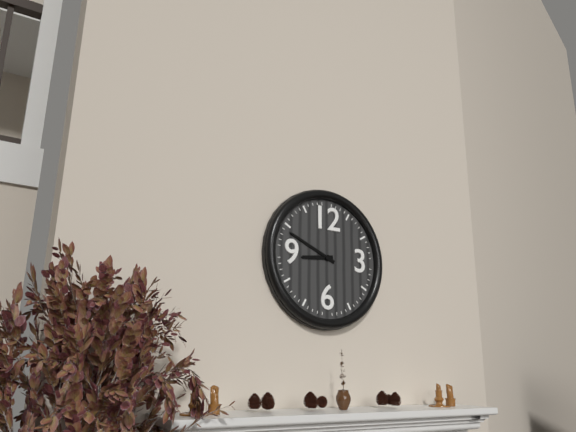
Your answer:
8:49
